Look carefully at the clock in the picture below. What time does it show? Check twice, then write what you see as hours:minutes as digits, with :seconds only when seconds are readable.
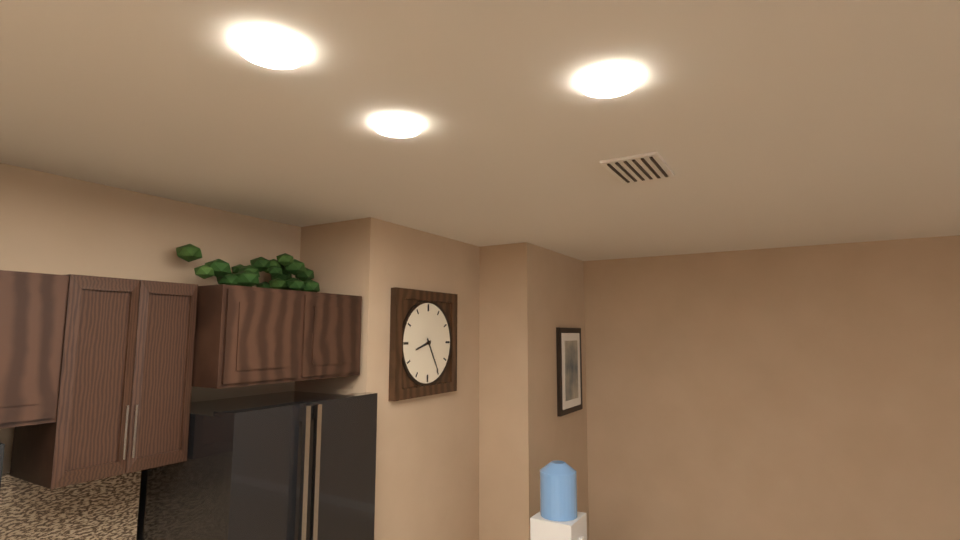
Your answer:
8:25
